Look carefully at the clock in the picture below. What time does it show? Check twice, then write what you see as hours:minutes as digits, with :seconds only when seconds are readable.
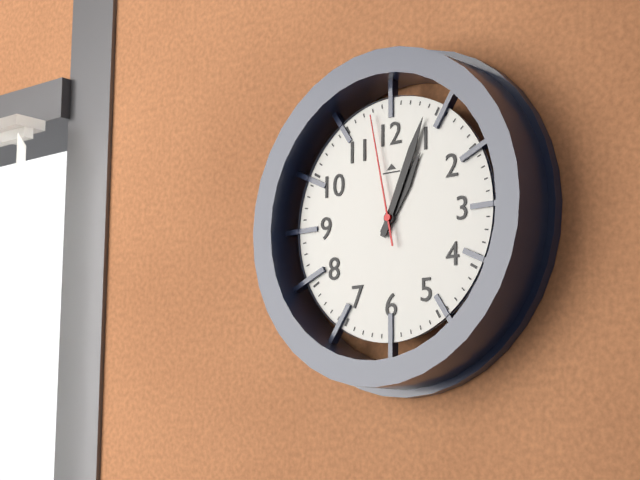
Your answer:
1:04:58
